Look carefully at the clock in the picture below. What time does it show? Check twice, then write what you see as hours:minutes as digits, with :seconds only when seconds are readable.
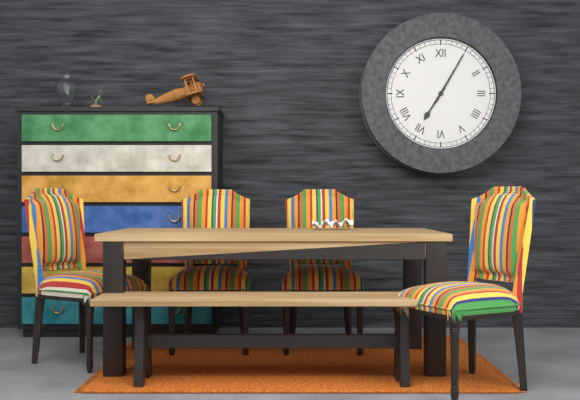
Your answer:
7:05
